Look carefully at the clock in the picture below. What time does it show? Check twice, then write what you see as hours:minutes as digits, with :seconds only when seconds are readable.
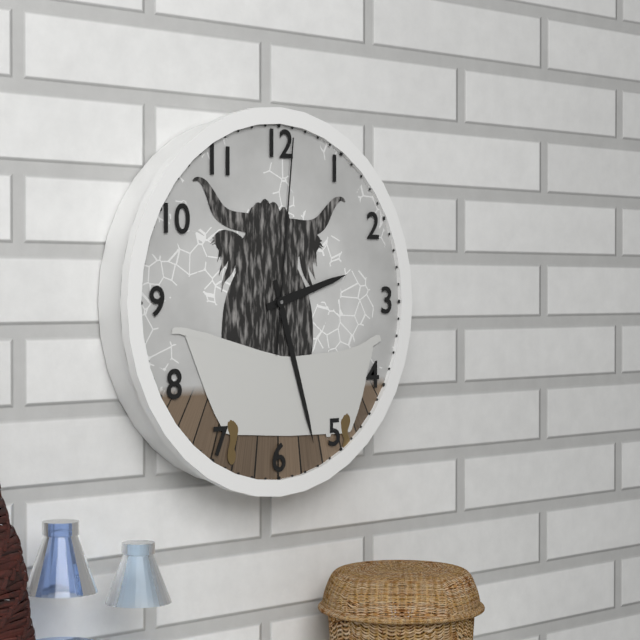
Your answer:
2:27:01
